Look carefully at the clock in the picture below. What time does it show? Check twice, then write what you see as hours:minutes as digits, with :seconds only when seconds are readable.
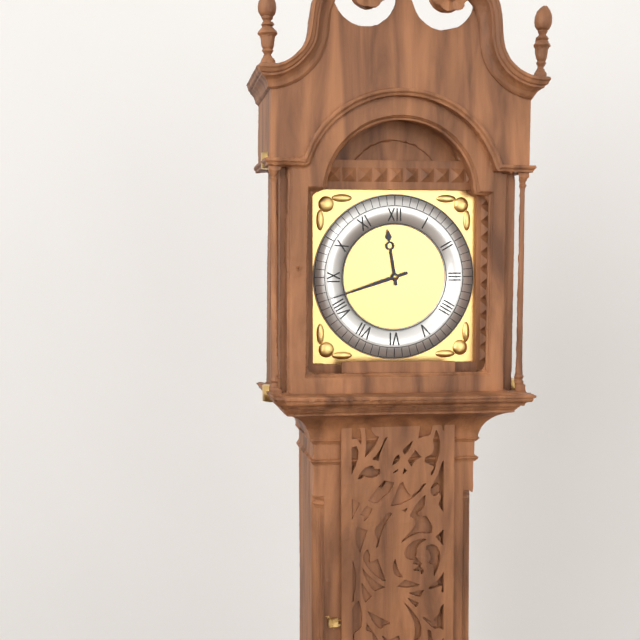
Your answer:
11:42
